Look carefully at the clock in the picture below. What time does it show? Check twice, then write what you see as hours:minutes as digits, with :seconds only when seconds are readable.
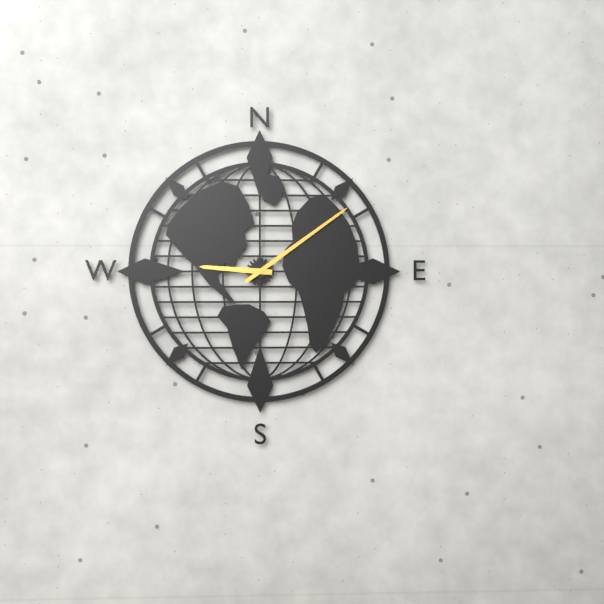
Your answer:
9:09
